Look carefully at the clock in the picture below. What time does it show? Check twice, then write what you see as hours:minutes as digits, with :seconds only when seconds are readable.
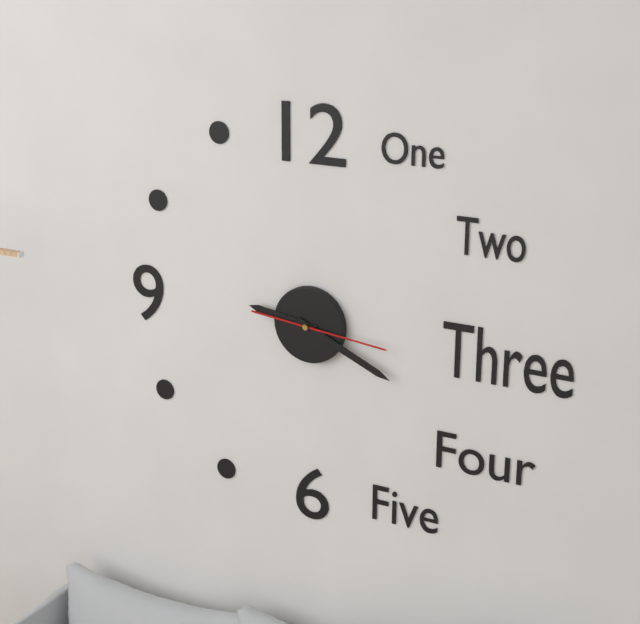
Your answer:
9:19:16
